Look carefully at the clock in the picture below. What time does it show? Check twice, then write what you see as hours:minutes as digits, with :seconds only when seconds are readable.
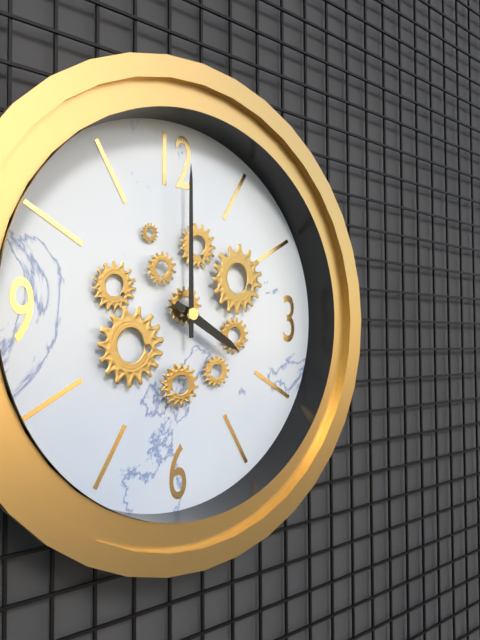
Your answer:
4:00
